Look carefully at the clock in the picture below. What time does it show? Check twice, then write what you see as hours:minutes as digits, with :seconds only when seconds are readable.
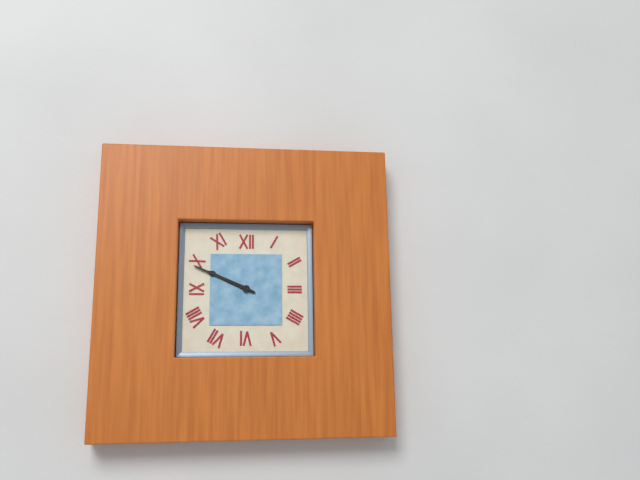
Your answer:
9:49
